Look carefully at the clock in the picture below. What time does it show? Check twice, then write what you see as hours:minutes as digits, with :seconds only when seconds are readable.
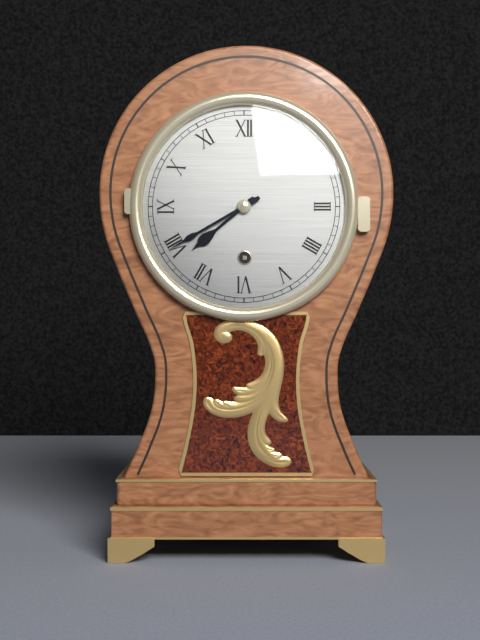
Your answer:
7:40
